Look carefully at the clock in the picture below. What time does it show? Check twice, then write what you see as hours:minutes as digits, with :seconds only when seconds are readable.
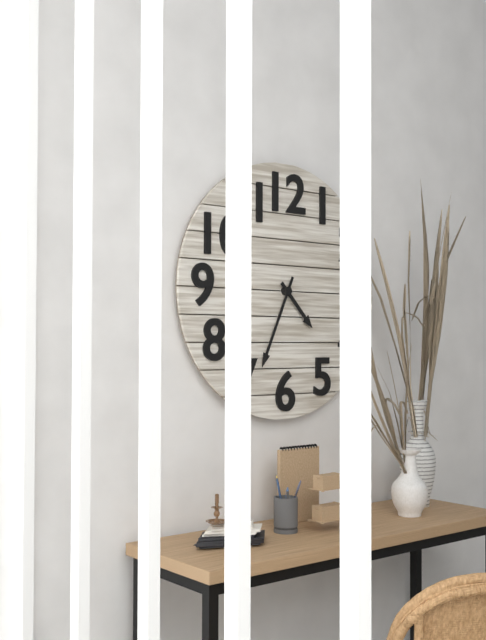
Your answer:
4:34
